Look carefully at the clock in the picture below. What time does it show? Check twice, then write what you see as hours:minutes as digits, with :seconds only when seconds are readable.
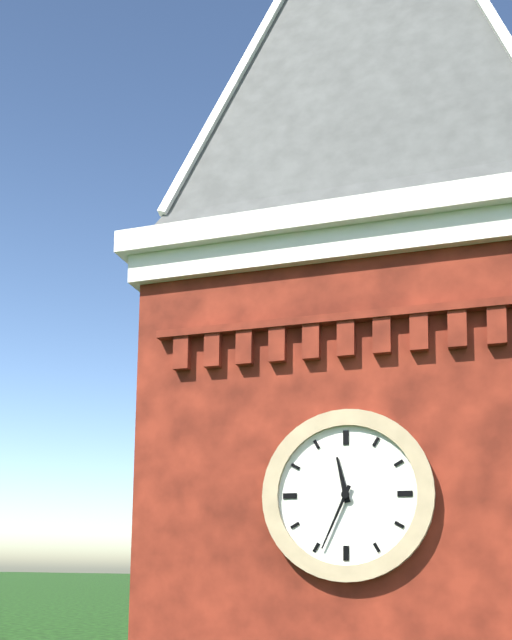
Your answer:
11:34
